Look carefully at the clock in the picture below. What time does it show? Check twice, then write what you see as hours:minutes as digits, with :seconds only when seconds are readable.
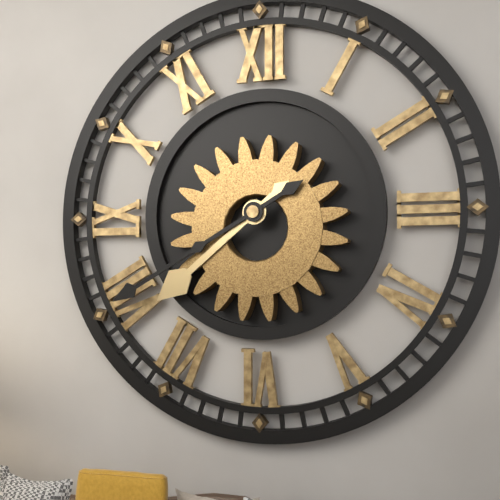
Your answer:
7:40
